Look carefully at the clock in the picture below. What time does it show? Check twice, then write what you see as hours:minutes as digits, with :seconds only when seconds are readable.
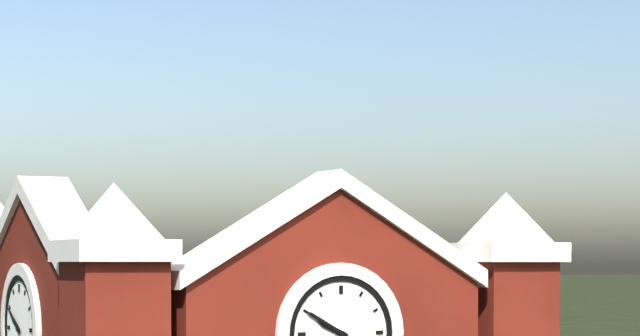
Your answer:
9:50
